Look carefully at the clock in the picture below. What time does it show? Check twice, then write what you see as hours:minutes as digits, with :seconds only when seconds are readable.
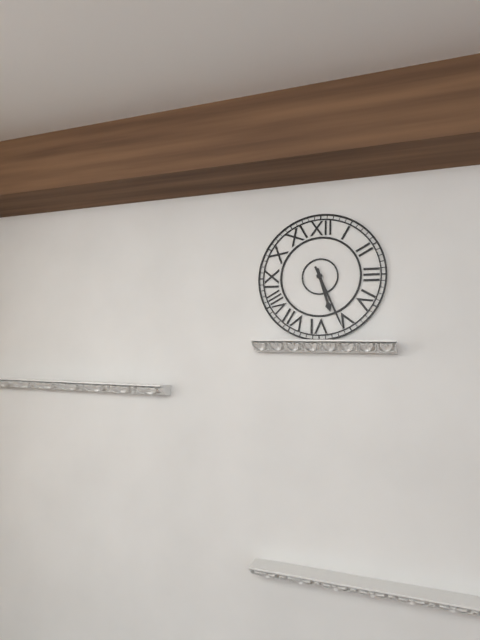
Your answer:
5:26
